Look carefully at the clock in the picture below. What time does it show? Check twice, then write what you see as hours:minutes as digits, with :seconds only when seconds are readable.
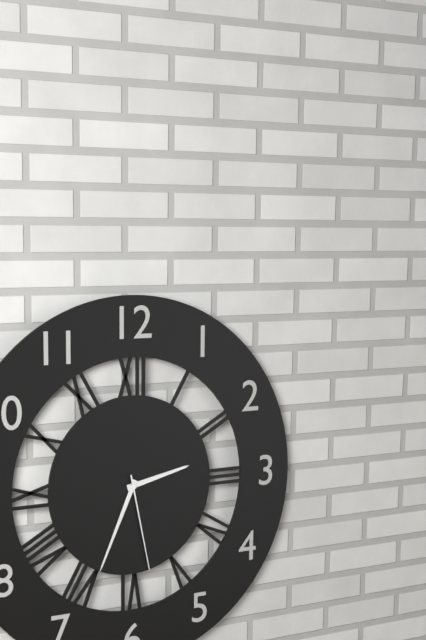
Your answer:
2:34:28
